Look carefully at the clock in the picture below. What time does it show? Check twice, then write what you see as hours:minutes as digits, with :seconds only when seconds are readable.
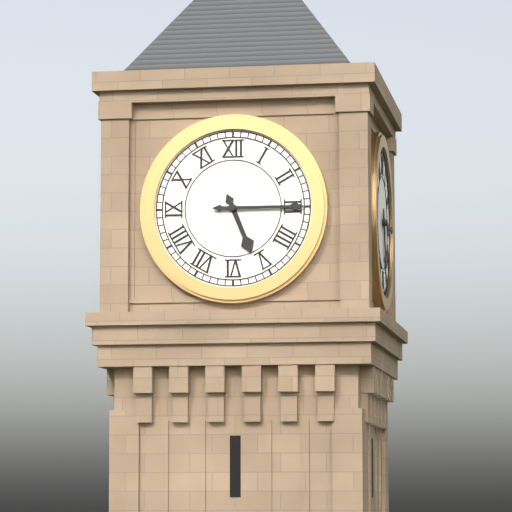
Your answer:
5:15
